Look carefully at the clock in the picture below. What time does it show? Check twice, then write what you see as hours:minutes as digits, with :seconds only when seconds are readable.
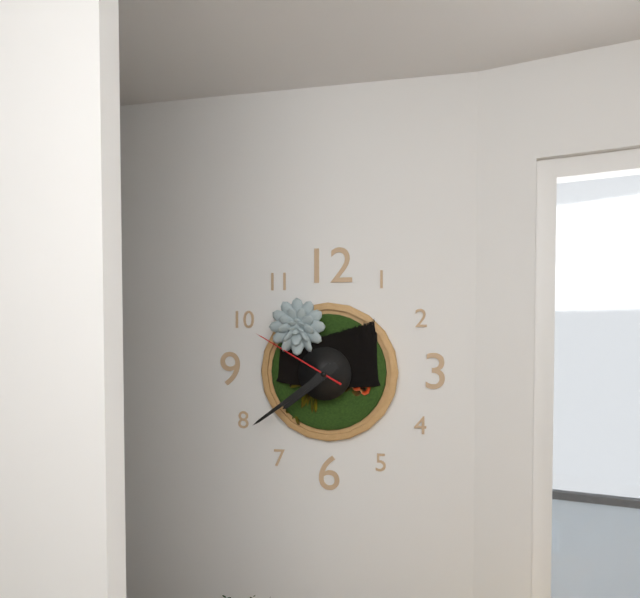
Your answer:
7:39:50
